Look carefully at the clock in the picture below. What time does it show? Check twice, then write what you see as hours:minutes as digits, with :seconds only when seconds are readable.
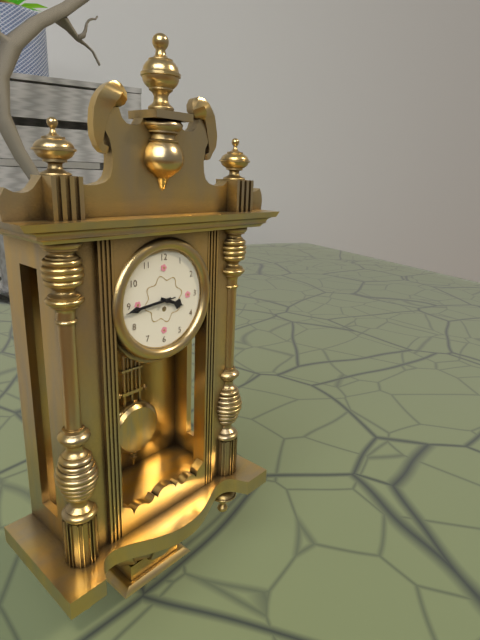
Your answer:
3:44
